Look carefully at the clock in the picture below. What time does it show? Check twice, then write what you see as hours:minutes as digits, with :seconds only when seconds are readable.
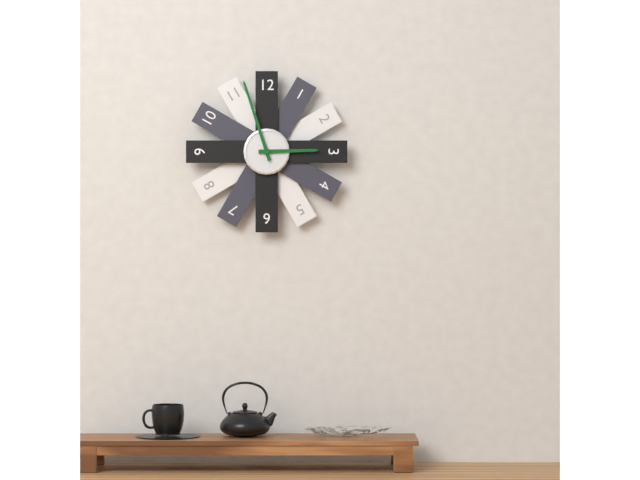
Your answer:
2:57
